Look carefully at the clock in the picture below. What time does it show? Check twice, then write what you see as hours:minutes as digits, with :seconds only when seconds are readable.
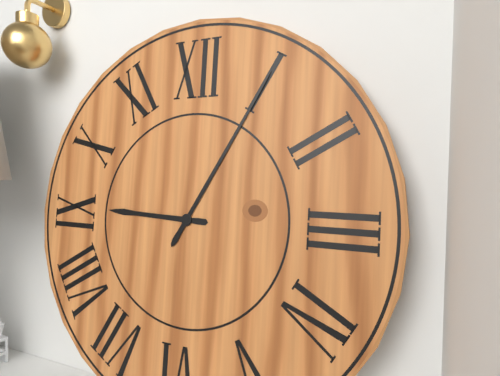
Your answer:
9:05
